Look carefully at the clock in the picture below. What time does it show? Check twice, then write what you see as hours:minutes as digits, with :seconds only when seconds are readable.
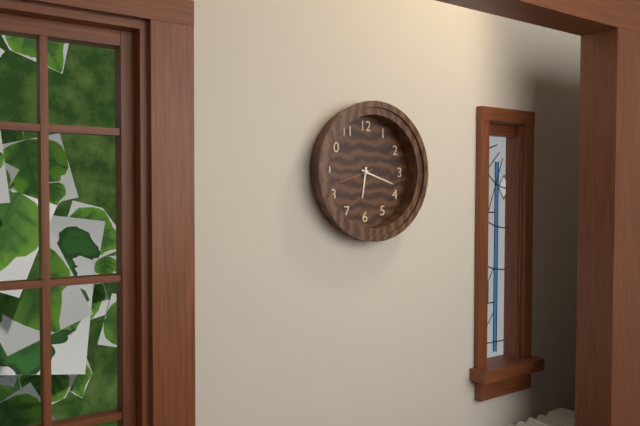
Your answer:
6:18
